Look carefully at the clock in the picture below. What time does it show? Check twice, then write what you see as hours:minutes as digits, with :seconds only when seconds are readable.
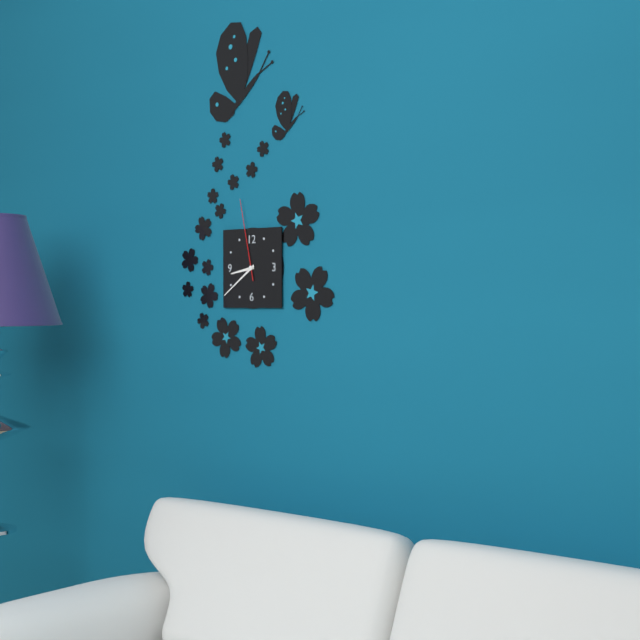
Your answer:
8:39:58
